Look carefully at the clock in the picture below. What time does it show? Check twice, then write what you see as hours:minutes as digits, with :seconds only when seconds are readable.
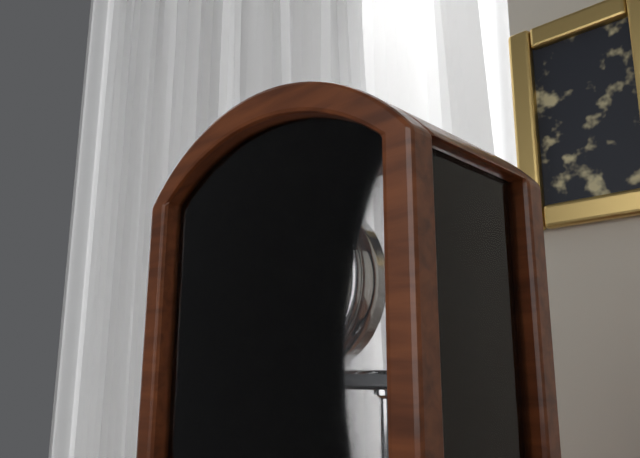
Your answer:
5:48
